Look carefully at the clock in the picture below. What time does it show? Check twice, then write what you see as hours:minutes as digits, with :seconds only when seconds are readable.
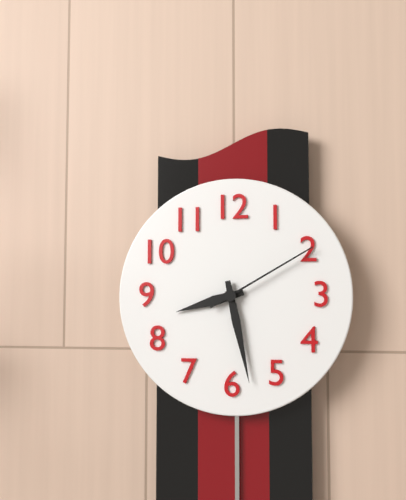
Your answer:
8:28:10
